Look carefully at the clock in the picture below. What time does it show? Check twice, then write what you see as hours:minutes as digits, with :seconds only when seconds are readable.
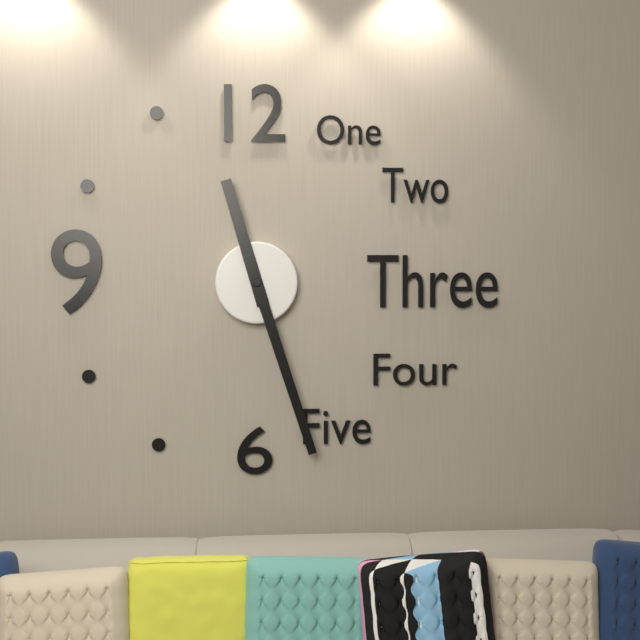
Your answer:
11:27
